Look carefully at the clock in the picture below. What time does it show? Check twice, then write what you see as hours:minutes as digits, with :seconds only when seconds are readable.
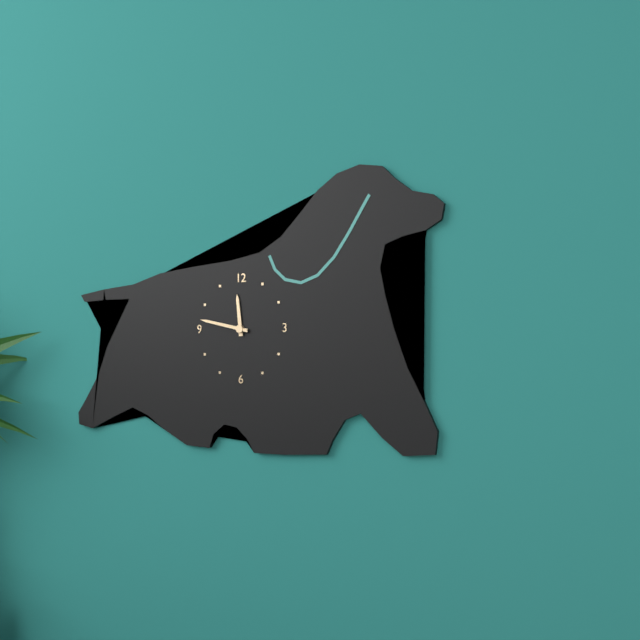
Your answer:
11:47
